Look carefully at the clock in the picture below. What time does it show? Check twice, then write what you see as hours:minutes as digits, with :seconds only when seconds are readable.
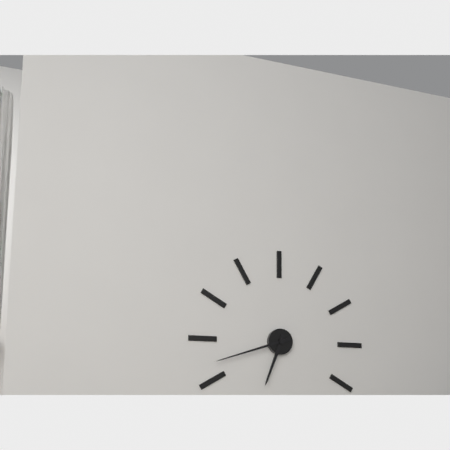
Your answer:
6:42
